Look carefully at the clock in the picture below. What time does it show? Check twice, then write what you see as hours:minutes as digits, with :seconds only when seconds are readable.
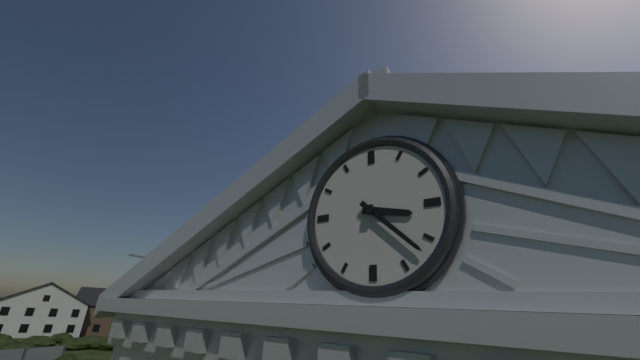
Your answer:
3:22
